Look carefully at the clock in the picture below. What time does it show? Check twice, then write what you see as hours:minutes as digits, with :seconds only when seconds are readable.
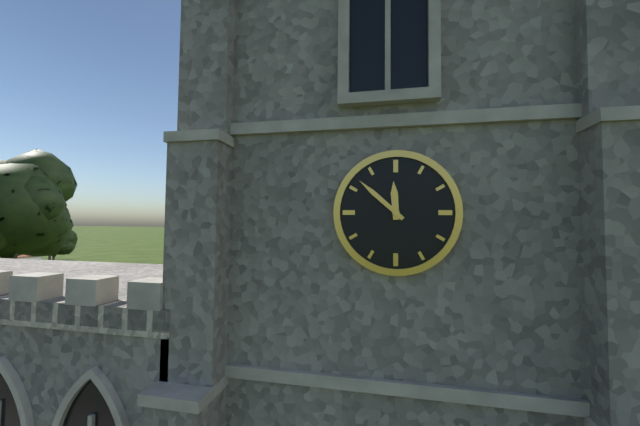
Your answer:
11:52
